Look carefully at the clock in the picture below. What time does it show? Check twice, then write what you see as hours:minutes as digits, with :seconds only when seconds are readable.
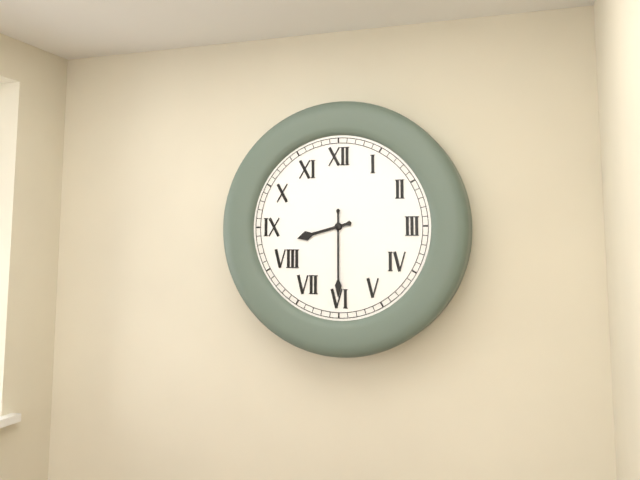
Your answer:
8:30
